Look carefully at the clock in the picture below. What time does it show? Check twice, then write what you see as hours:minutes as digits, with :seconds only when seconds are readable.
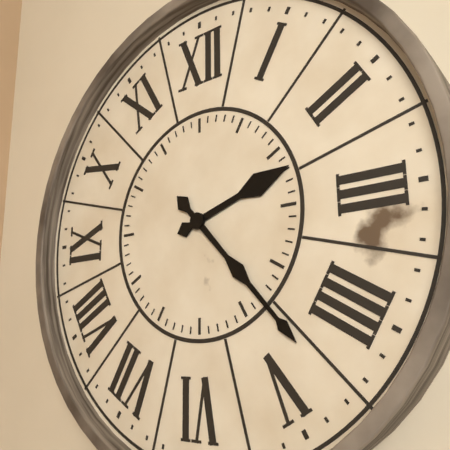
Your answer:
2:23
